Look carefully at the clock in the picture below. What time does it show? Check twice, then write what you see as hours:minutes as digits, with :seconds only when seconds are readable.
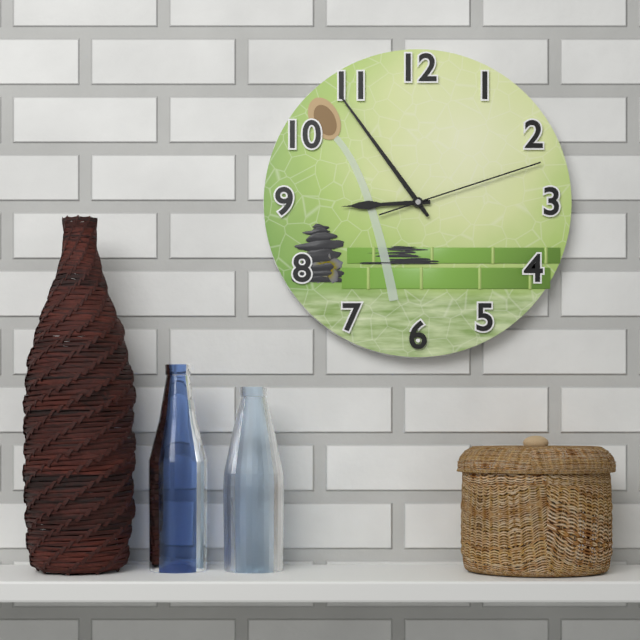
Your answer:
8:54:12
